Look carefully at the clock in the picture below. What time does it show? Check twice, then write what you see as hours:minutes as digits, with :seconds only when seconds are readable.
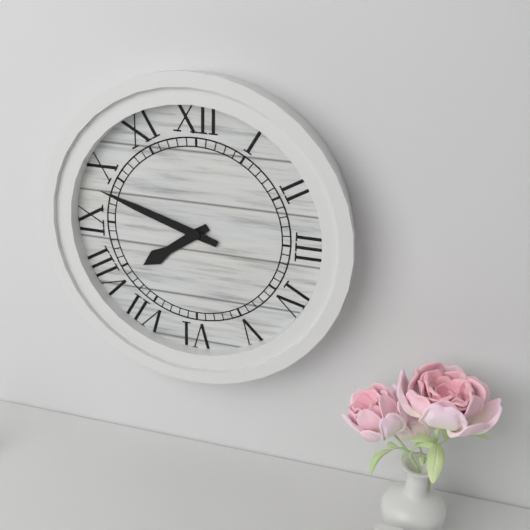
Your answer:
7:48
